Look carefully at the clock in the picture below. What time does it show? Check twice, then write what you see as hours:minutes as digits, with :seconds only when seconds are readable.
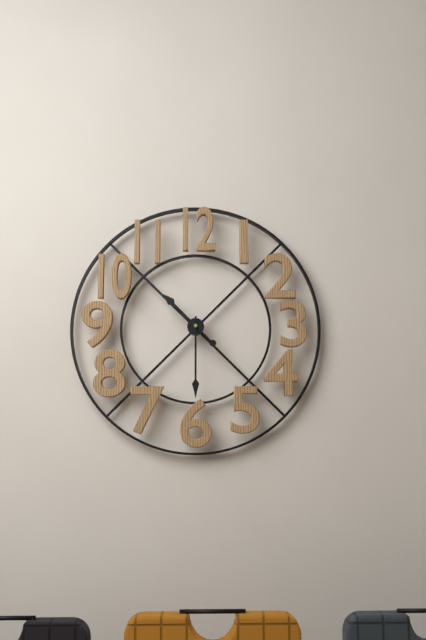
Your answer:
10:30
